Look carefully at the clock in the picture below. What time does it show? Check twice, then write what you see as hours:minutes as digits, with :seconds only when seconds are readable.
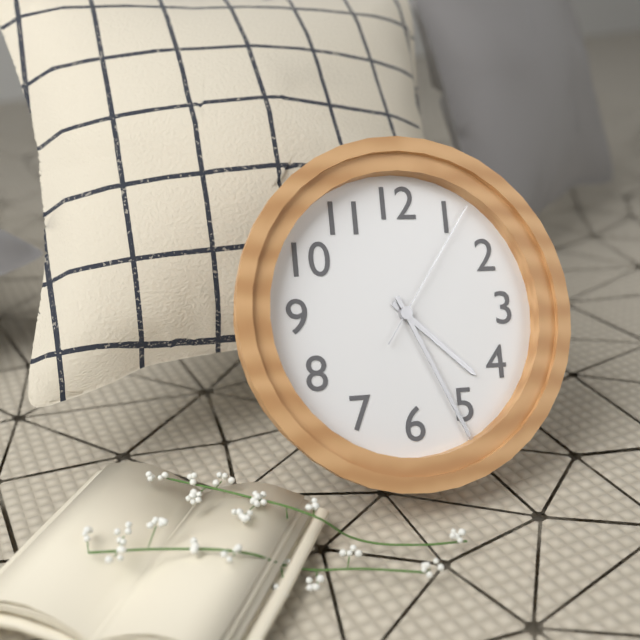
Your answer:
4:26:06
